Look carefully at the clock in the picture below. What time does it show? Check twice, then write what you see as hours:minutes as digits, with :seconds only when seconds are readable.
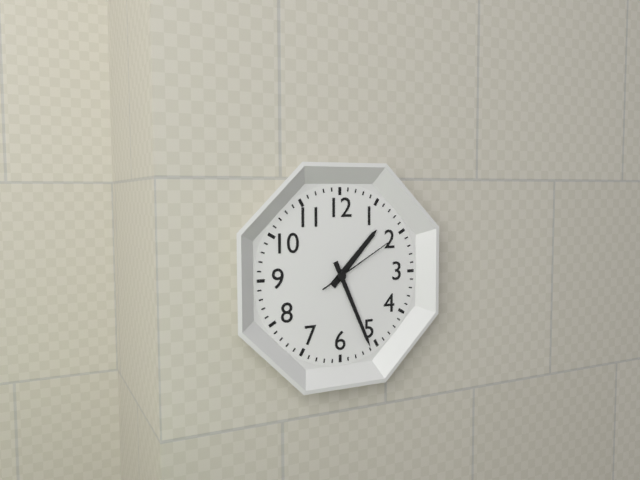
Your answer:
1:26:10
